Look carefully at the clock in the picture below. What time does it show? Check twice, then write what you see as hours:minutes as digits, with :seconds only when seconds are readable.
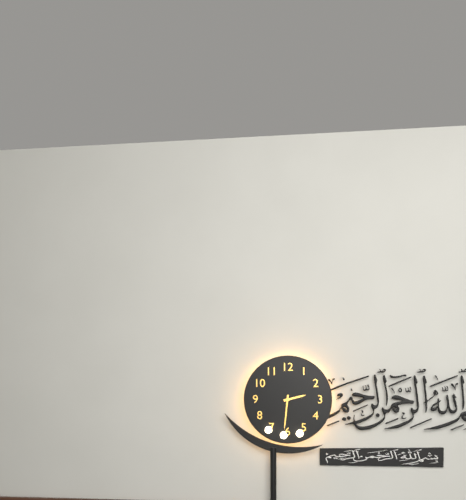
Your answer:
2:31
